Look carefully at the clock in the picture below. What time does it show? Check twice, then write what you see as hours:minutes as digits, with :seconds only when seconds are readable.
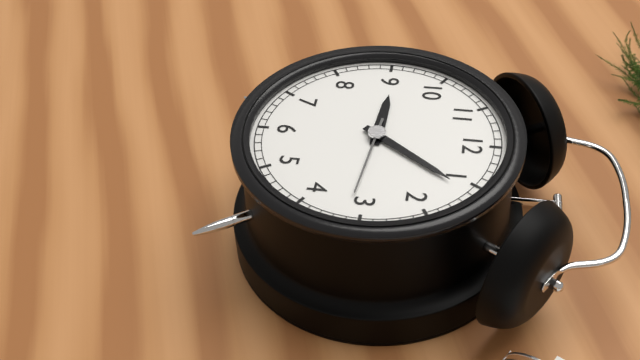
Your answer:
9:06:16
